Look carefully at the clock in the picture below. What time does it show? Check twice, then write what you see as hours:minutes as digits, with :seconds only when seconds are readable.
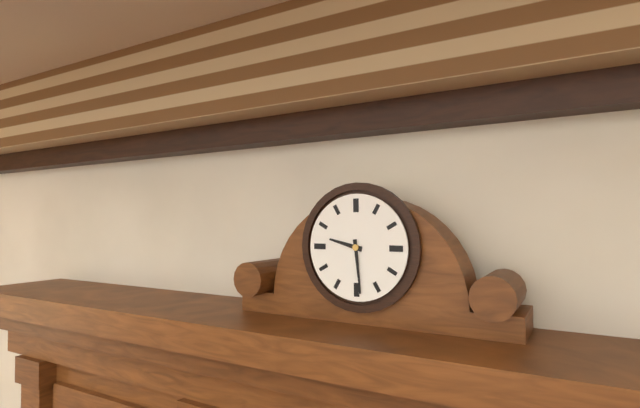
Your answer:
9:29
